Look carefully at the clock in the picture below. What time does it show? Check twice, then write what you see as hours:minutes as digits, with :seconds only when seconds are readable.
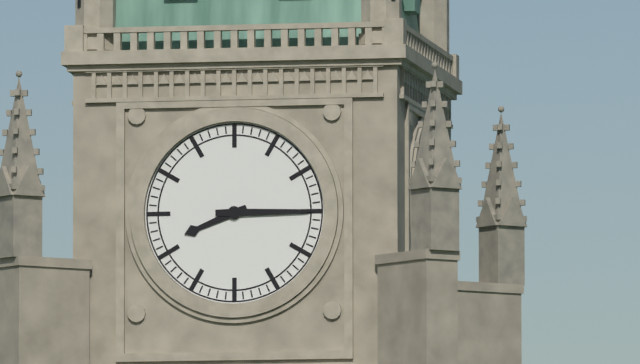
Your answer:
8:15
